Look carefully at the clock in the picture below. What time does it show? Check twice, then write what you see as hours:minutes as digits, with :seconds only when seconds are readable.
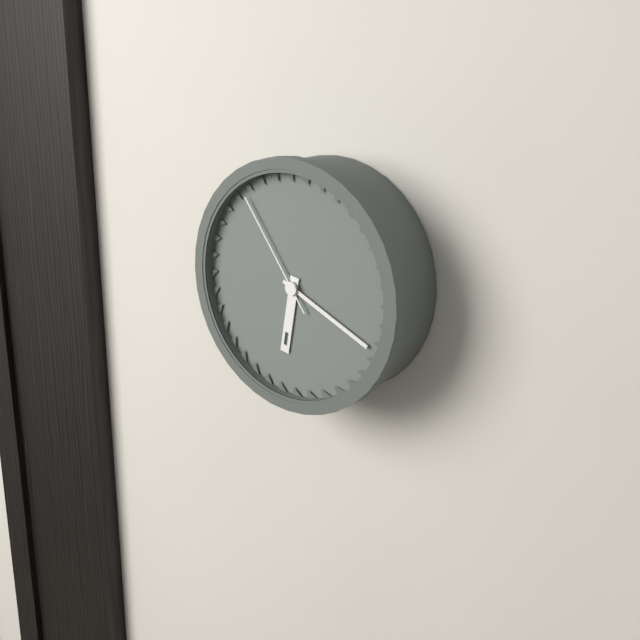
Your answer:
6:19:54
